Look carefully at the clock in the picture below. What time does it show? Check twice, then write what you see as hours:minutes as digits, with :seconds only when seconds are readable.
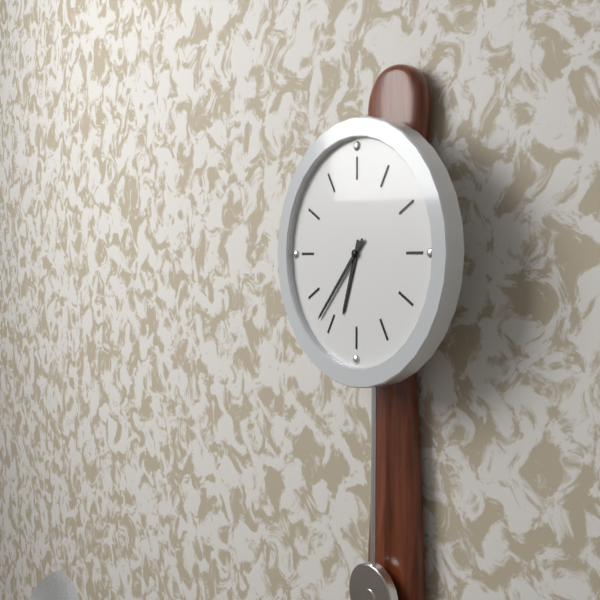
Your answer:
6:37
